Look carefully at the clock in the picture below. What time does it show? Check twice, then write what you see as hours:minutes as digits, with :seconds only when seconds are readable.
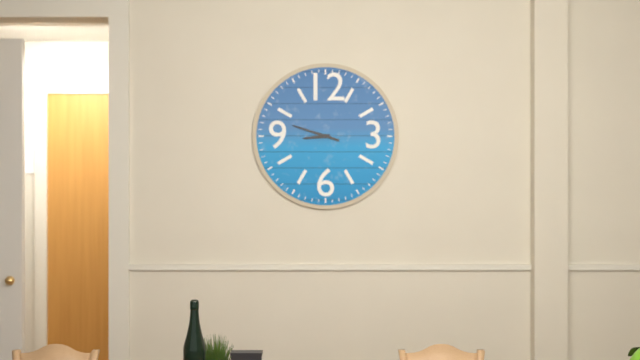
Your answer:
8:48
